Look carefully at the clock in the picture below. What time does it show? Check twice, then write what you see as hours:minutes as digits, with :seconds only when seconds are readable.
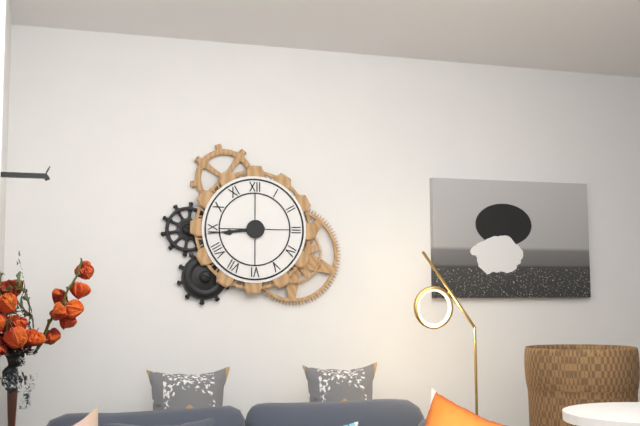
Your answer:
8:44
